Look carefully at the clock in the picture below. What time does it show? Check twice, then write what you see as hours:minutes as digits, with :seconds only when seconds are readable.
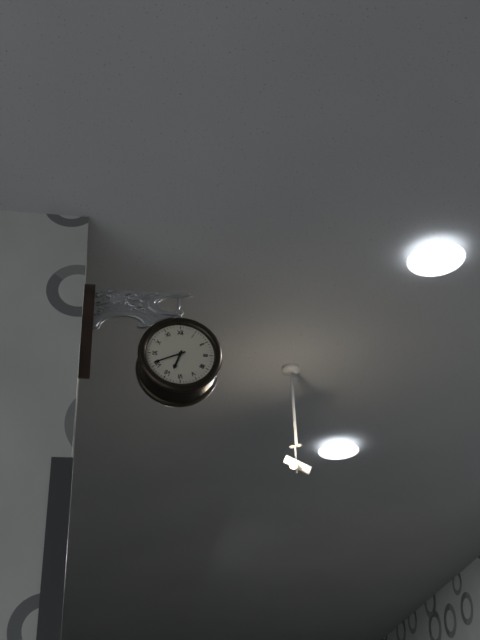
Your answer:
6:41
